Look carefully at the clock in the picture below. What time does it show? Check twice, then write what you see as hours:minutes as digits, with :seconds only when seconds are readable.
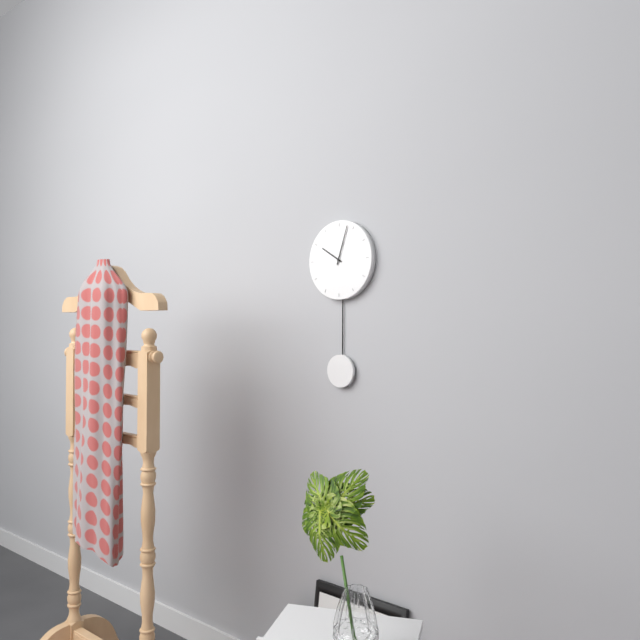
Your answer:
10:03
